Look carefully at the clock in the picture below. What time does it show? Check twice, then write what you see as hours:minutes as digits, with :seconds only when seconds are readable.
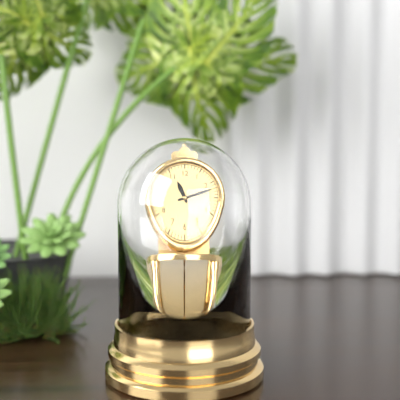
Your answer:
11:12
